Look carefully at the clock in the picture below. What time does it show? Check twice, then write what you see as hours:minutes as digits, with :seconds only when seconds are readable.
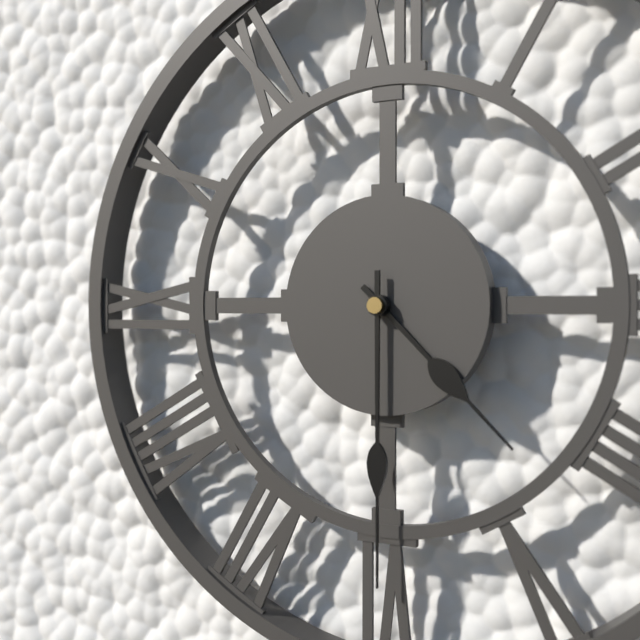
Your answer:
4:30
